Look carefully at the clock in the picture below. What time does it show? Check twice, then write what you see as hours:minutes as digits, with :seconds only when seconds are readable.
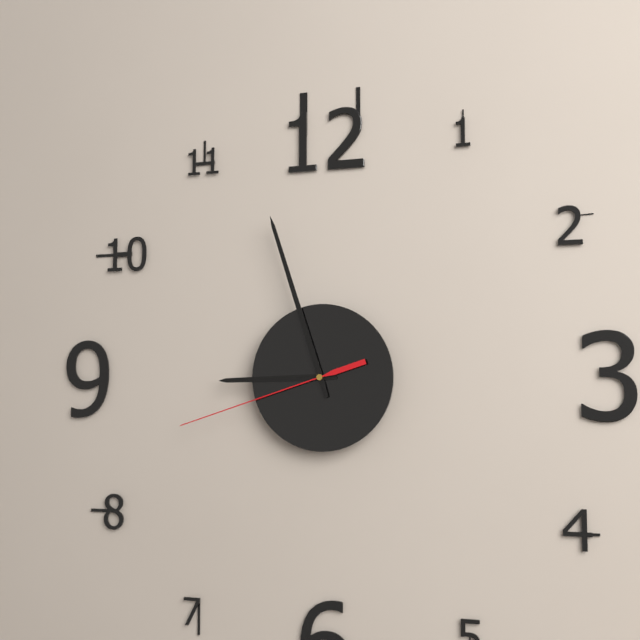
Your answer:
8:57:42
